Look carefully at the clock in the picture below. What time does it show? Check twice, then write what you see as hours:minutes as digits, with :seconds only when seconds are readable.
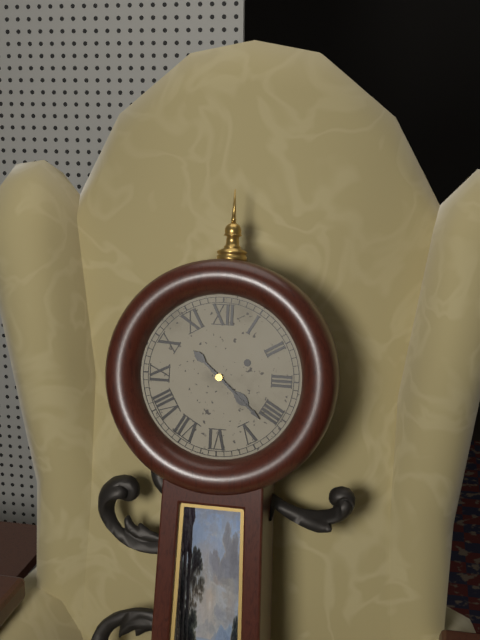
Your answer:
4:22
